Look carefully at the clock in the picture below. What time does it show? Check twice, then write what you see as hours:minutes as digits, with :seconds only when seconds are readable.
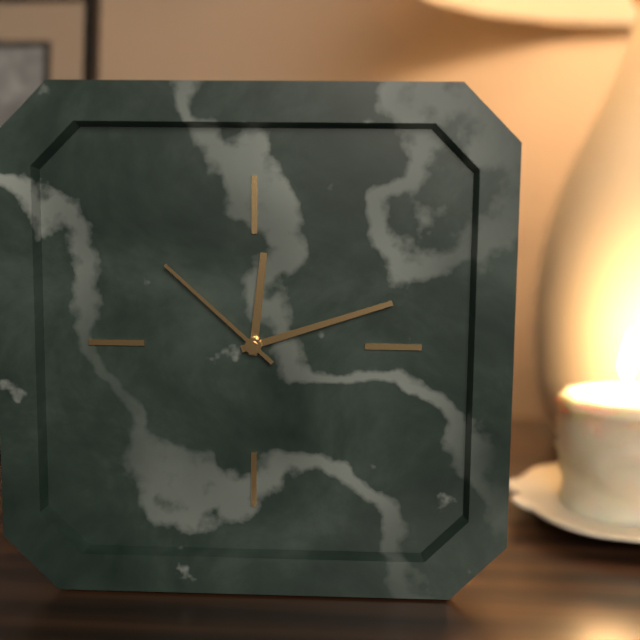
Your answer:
12:12:52
